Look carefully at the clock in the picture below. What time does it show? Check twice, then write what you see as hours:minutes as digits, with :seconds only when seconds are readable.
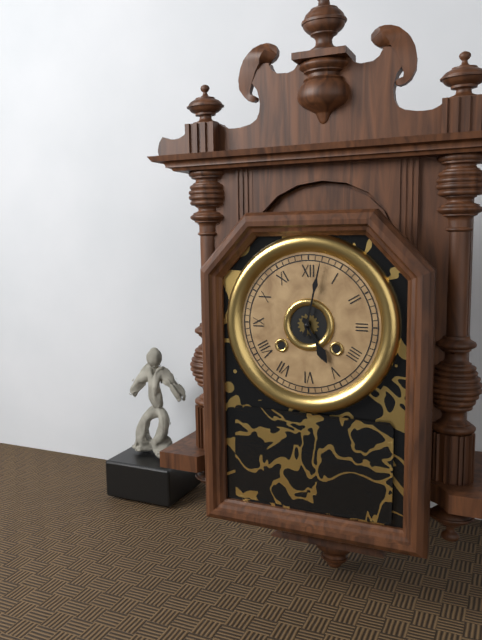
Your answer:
5:02
